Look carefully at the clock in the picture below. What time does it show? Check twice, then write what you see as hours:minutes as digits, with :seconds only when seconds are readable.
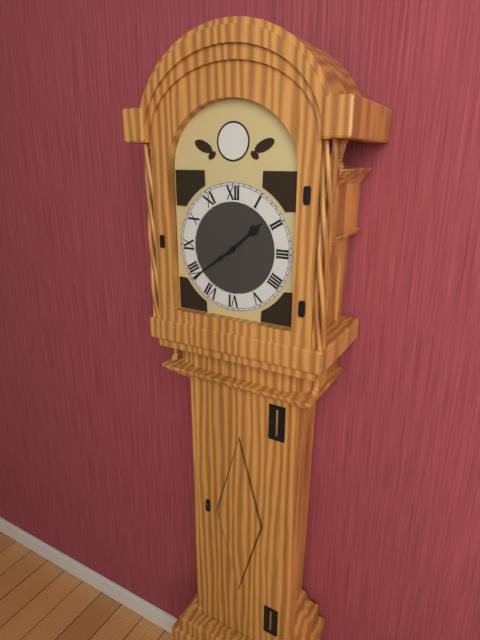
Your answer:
1:39
